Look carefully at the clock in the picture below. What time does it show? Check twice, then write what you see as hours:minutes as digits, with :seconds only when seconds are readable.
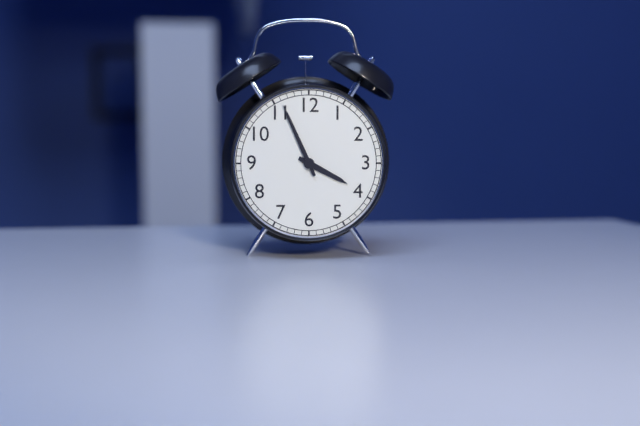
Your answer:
3:56
